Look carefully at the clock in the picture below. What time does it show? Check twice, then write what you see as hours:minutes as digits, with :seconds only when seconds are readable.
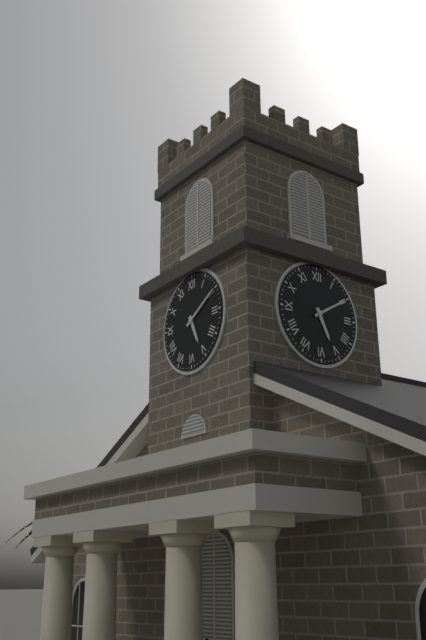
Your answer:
5:10
